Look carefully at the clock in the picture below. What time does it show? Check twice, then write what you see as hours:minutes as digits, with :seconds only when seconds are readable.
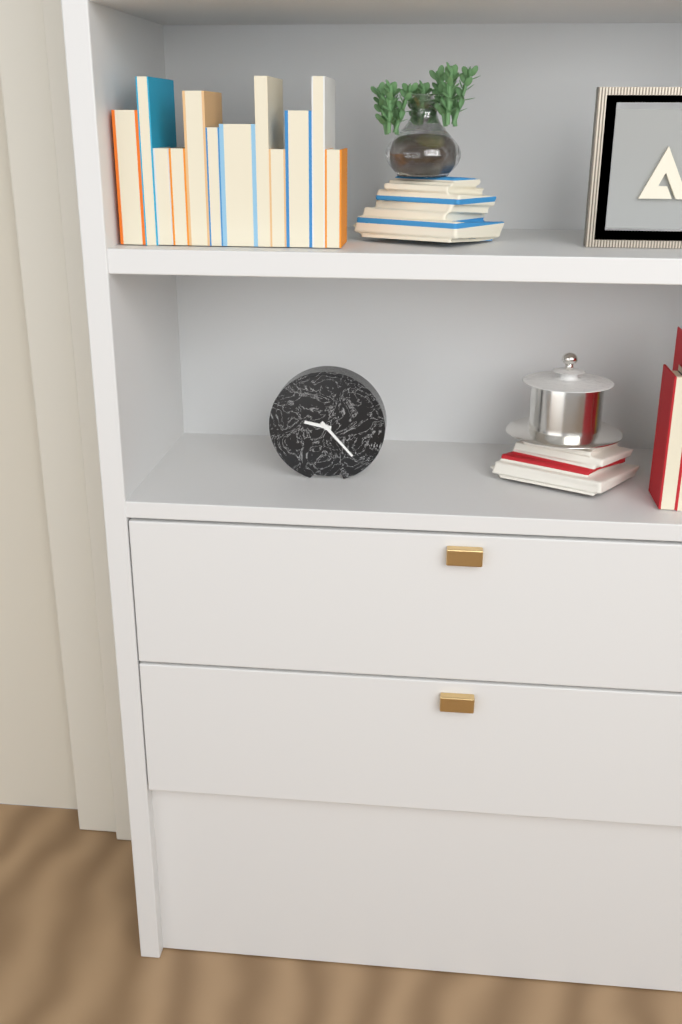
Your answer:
9:23
